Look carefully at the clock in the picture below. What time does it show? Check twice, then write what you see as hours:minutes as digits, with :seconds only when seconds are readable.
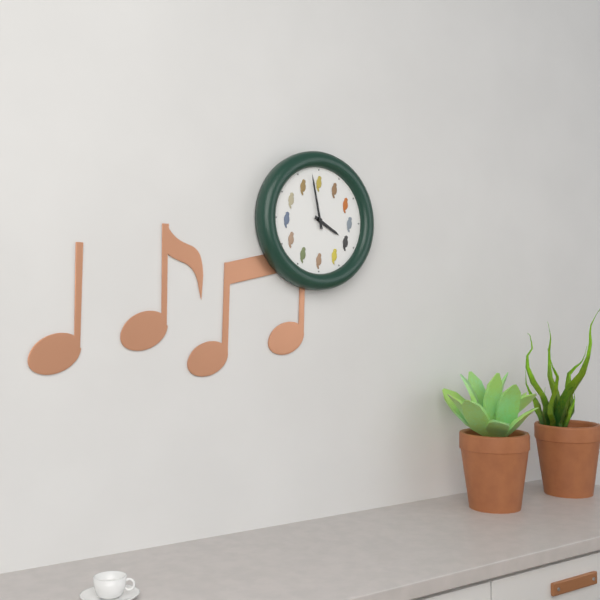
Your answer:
3:58
